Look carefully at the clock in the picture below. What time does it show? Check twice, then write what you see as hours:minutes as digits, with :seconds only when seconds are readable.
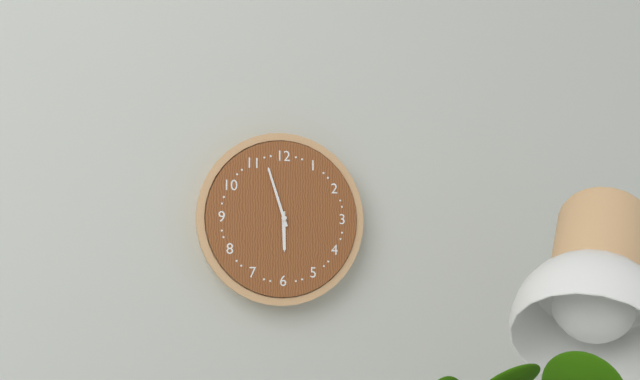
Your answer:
5:57
